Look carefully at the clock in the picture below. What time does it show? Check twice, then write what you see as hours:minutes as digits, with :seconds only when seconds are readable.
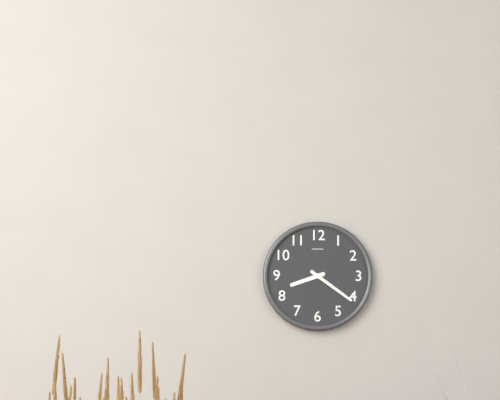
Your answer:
8:21
